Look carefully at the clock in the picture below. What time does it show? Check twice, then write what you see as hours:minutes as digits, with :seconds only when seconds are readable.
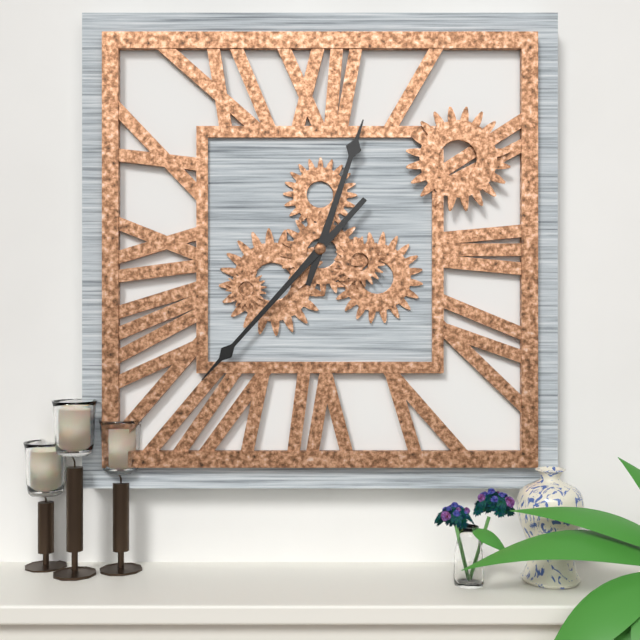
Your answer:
12:37
